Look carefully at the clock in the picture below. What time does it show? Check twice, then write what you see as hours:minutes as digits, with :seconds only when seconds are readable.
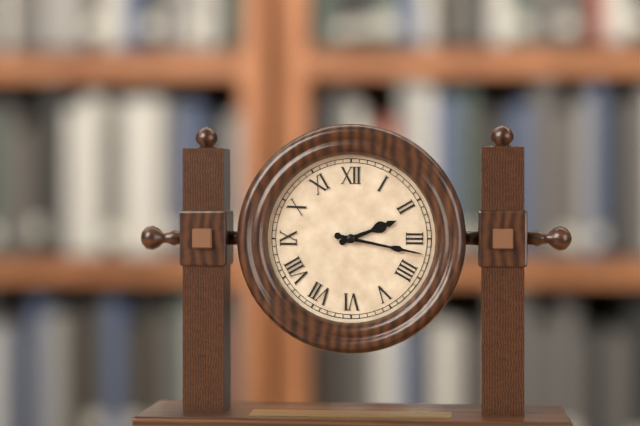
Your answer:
2:17
